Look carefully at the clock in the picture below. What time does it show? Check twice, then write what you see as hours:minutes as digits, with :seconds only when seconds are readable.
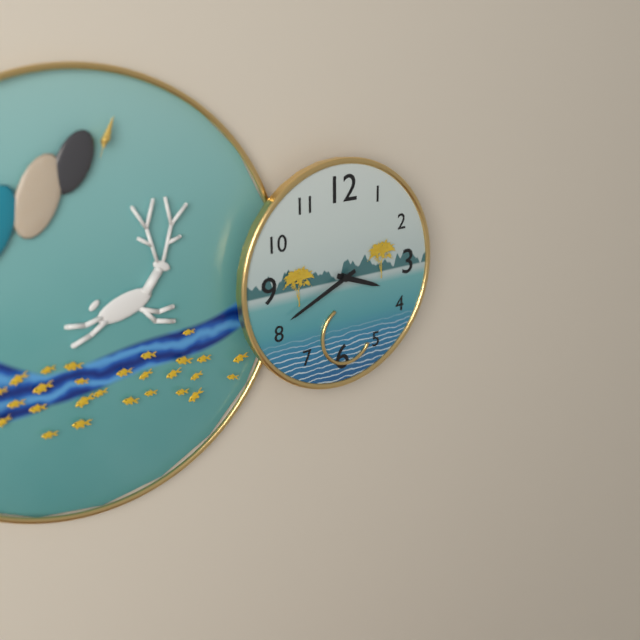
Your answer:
3:41
